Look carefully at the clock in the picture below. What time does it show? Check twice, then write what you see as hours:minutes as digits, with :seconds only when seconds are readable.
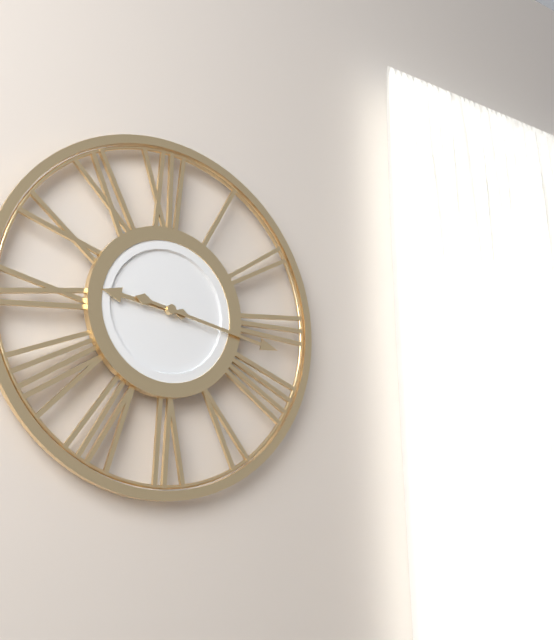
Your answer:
9:17
